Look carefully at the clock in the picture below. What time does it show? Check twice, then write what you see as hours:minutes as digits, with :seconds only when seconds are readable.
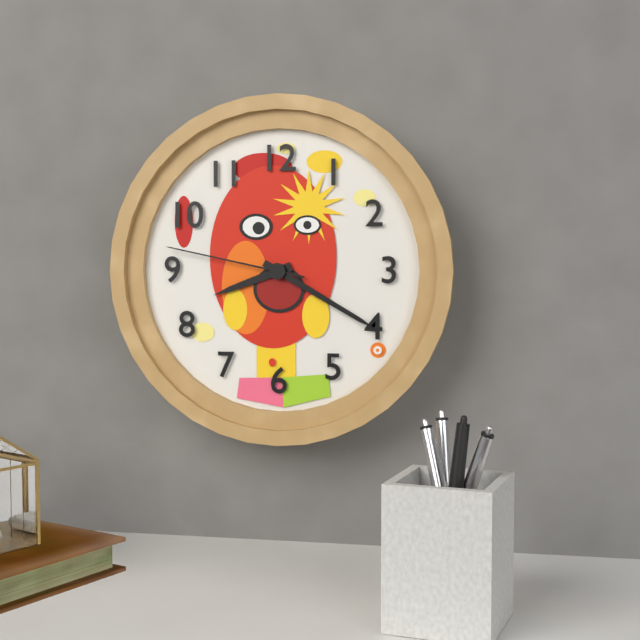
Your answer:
8:20:47
